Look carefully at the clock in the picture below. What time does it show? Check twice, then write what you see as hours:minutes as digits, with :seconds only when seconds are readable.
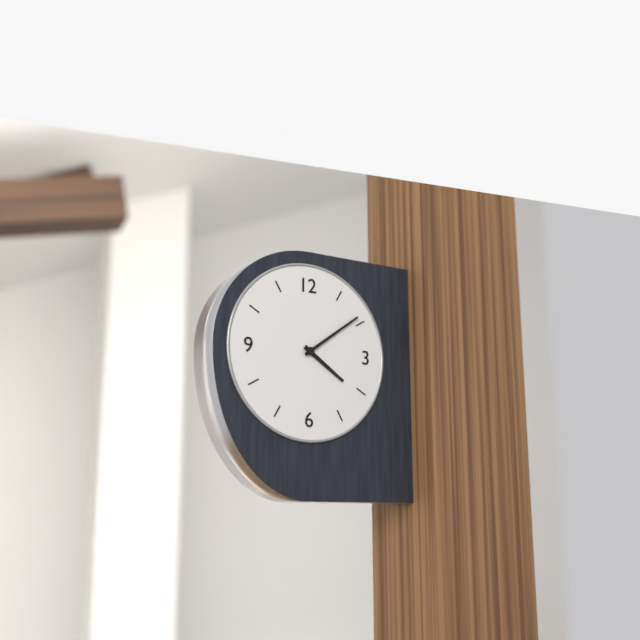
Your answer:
4:09
